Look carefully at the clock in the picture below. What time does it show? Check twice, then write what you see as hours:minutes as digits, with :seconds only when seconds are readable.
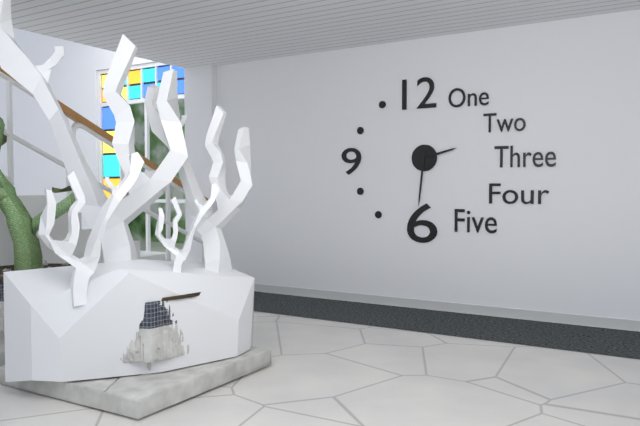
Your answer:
2:31
